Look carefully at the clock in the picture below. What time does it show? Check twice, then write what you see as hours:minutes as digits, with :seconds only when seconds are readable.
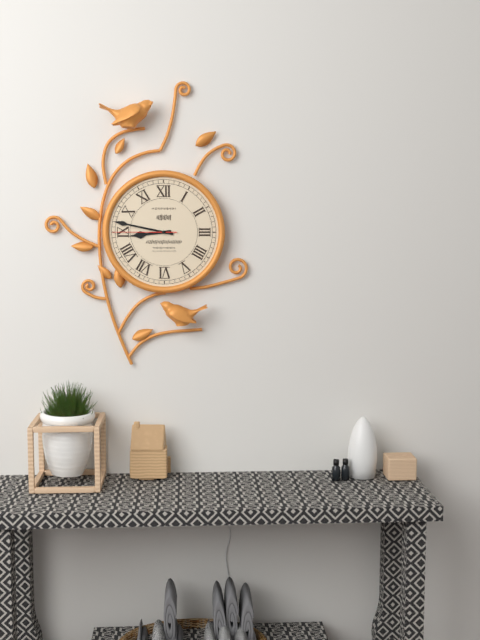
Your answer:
8:47:45
